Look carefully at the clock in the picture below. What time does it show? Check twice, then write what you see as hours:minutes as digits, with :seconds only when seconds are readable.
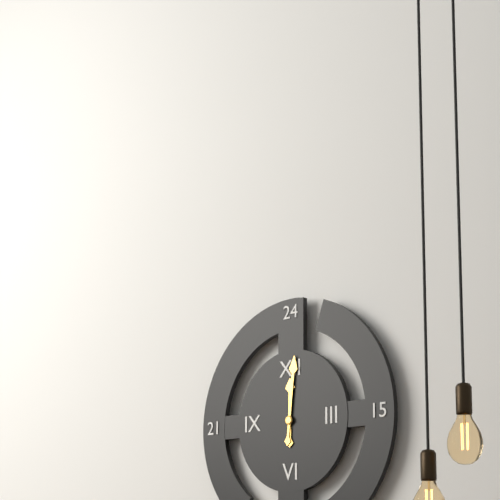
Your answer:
12:01
